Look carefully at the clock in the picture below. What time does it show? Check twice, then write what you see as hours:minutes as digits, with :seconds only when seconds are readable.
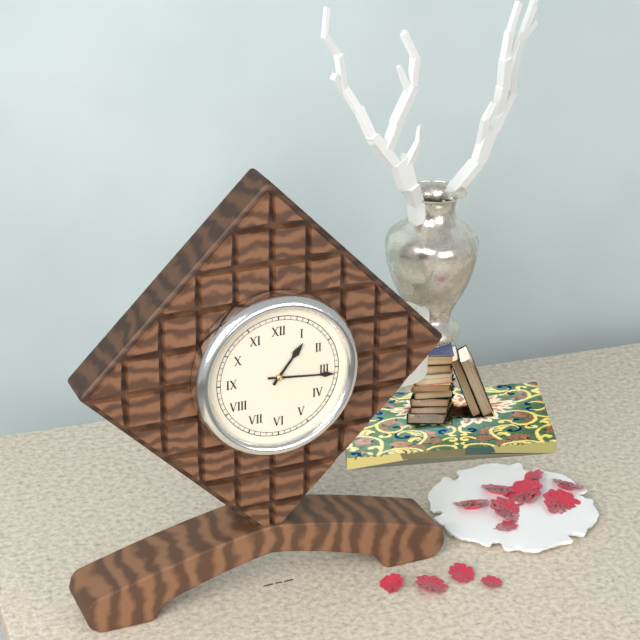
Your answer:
1:16
